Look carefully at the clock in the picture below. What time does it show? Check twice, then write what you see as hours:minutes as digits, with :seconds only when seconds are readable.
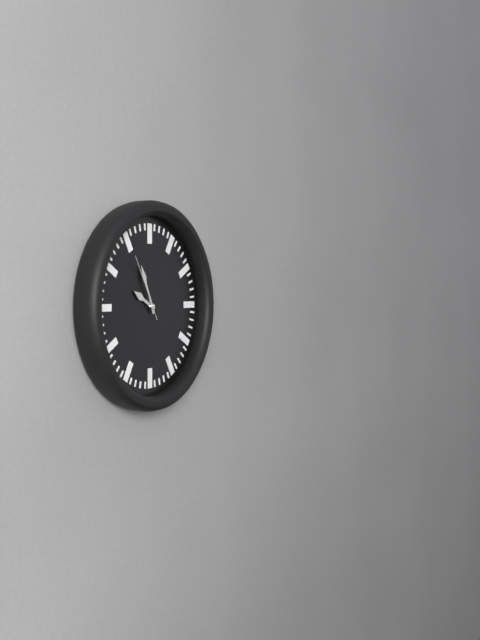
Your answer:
9:56:55
